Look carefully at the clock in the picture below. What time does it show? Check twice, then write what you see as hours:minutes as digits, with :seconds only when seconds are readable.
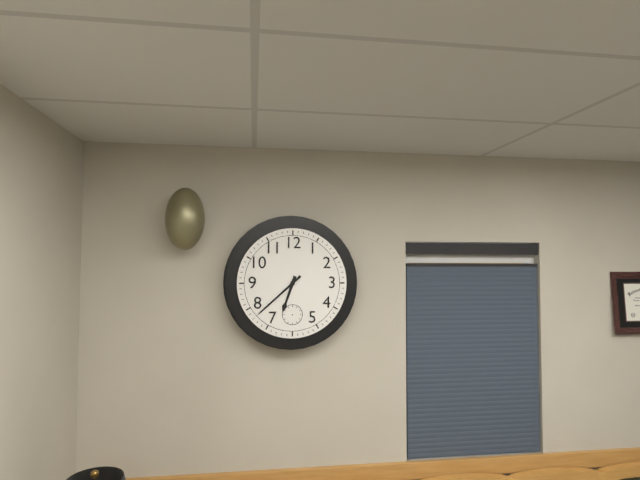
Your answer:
6:38
